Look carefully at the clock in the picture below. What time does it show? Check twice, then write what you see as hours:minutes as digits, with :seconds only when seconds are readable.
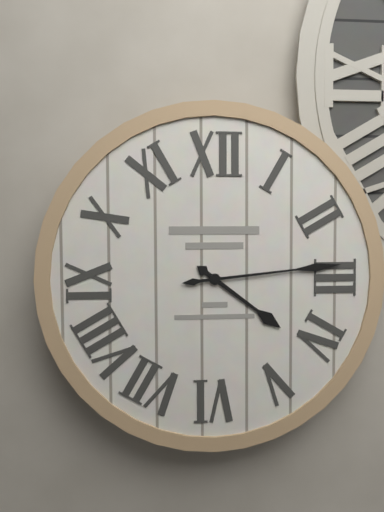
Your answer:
4:14
